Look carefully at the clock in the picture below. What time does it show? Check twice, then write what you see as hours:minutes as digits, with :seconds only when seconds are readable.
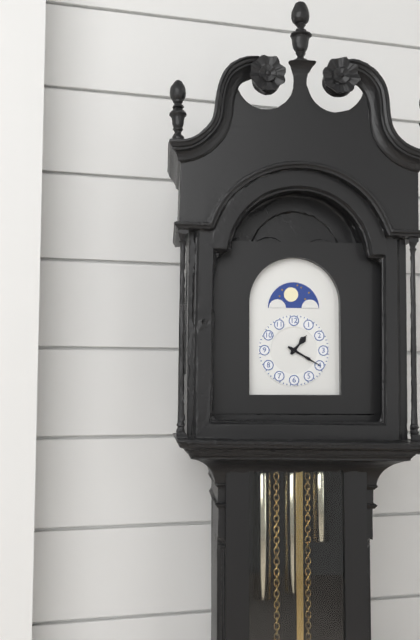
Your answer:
1:20
